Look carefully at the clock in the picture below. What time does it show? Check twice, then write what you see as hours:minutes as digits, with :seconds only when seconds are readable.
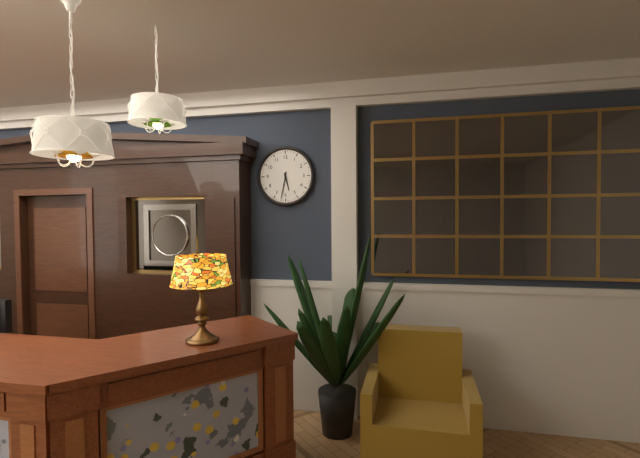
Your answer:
5:32
